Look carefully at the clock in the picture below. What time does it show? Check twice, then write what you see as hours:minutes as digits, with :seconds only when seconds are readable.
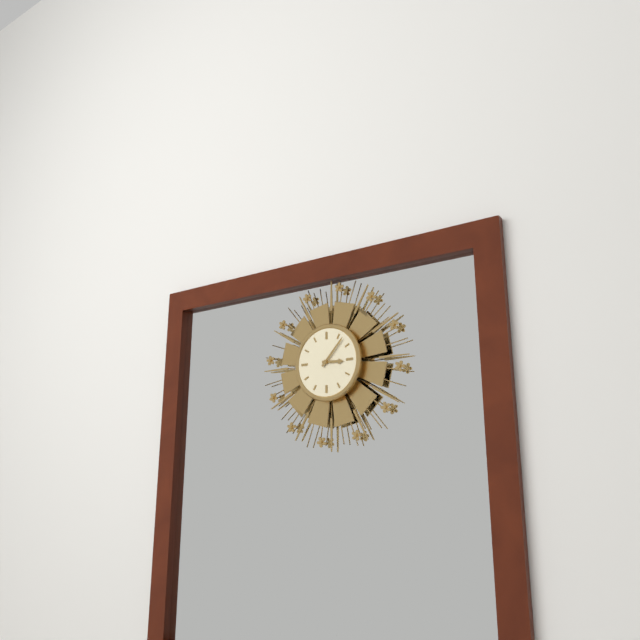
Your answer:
3:07
